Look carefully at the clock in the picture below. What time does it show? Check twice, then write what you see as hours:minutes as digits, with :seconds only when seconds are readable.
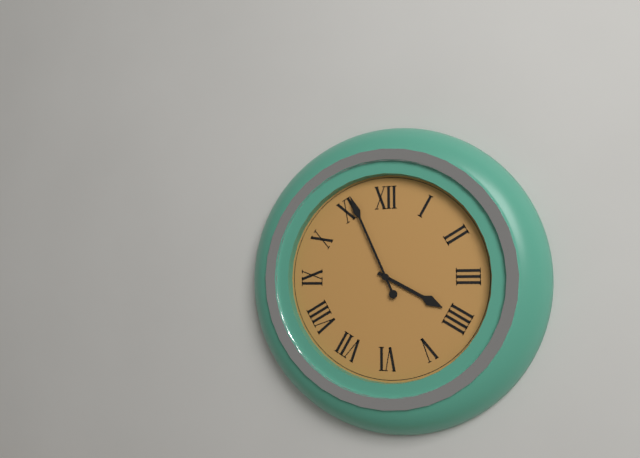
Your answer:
3:56
